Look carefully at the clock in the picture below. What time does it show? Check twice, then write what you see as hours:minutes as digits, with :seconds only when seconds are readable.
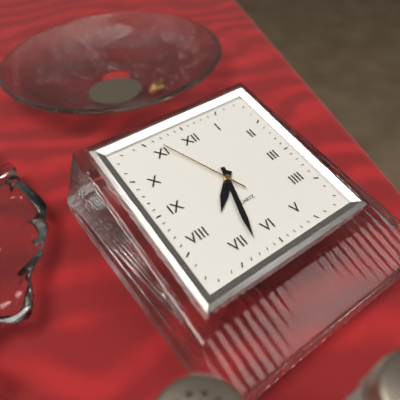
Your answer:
7:33:56
